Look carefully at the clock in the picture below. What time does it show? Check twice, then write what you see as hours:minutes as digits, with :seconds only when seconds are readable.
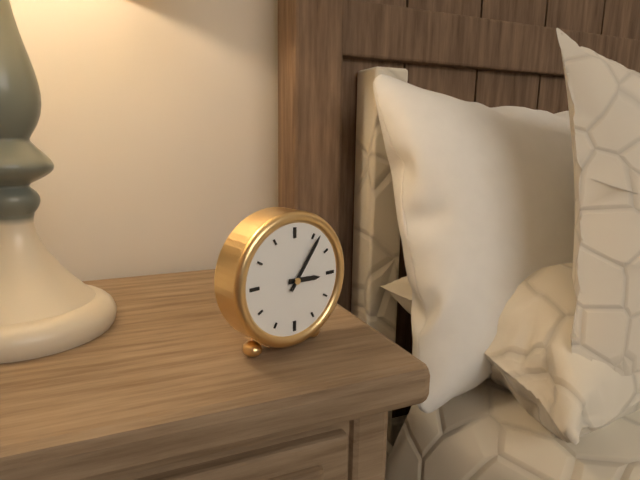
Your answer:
3:06
